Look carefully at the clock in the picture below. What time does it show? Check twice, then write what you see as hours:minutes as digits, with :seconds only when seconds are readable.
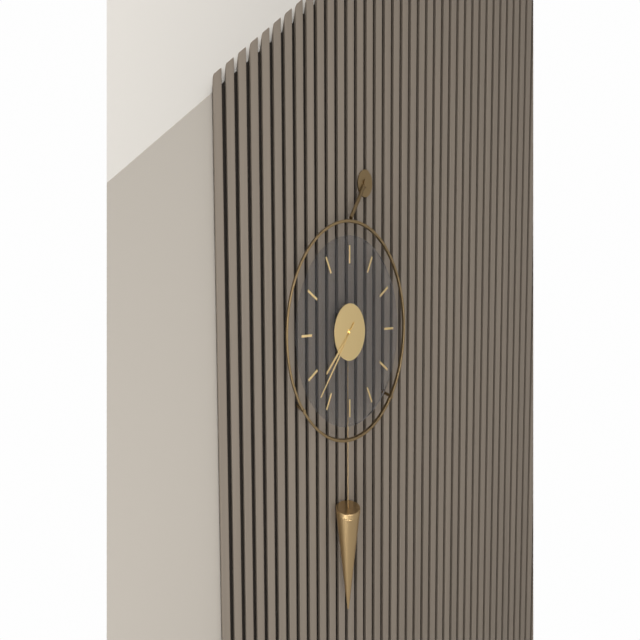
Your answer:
7:37
